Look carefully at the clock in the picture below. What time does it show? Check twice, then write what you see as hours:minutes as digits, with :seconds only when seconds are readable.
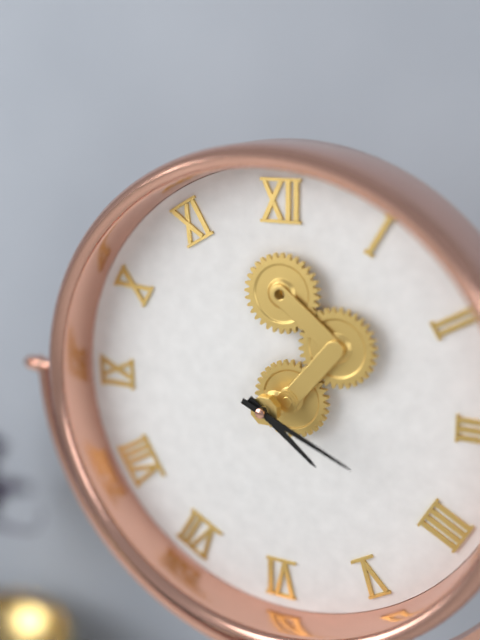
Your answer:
4:19
